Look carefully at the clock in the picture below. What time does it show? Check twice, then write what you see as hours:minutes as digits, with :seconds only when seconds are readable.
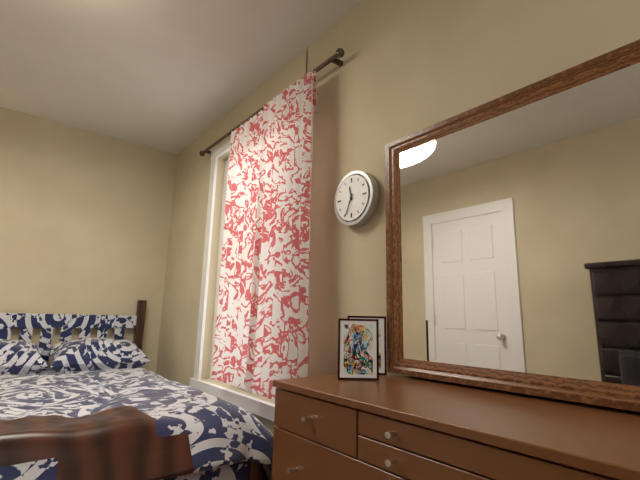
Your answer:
11:34
